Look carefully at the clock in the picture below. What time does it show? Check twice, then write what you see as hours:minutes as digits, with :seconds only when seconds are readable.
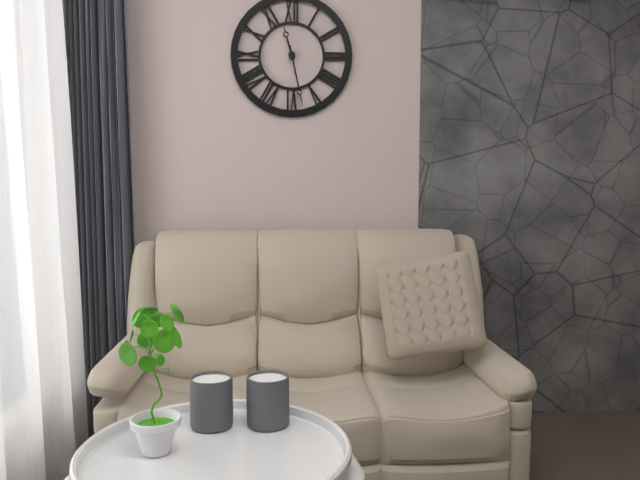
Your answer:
11:28
